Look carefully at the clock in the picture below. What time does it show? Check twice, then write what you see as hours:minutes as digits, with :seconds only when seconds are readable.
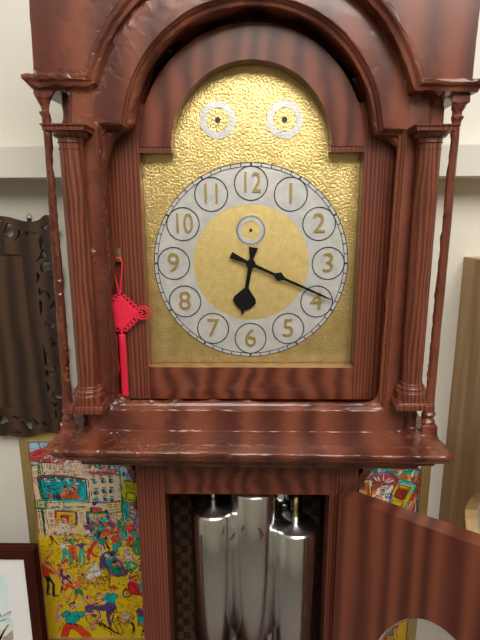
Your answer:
6:19
